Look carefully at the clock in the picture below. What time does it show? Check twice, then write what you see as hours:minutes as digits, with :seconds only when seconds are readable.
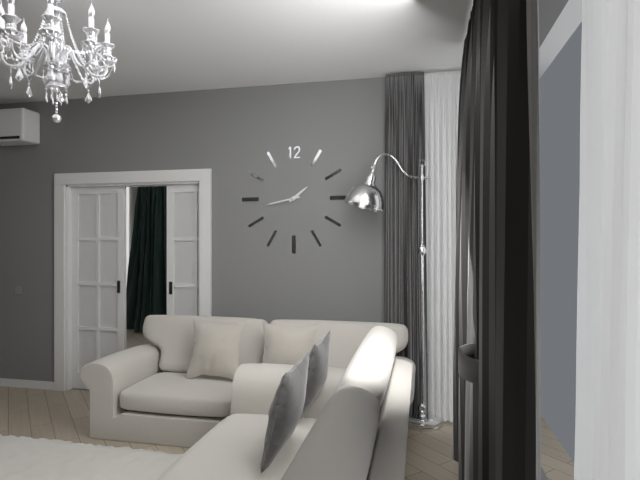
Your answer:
1:43
